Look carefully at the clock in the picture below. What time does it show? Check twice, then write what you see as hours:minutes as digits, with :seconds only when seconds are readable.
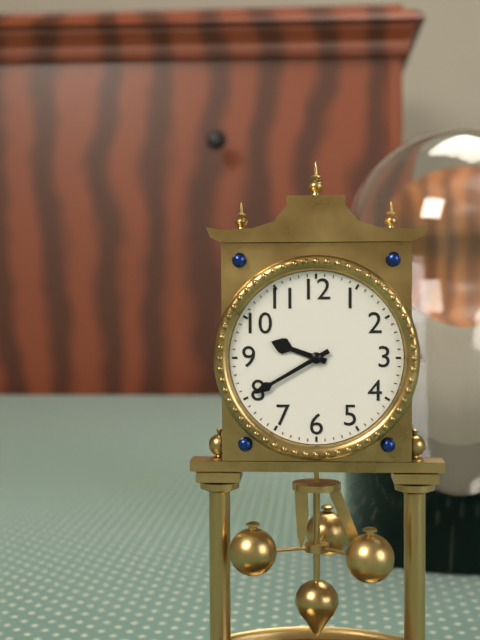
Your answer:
9:40
